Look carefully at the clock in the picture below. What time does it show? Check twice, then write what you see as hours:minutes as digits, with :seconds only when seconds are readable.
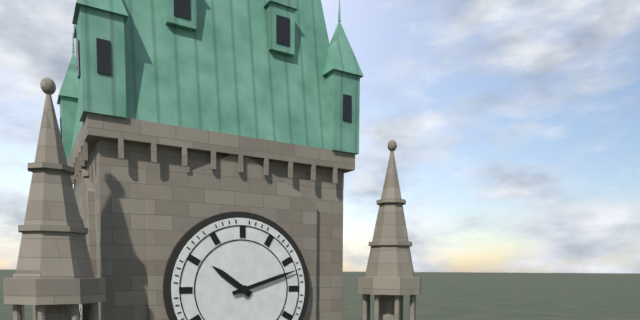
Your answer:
10:12
